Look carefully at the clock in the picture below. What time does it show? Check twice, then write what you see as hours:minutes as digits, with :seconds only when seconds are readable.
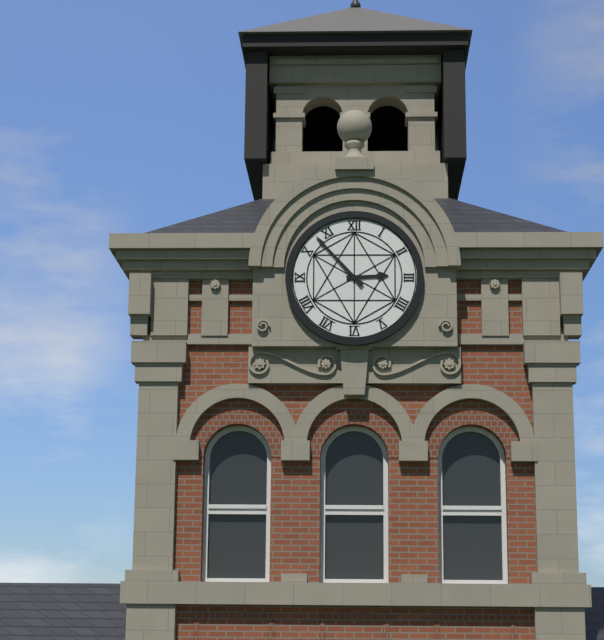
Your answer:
2:53
